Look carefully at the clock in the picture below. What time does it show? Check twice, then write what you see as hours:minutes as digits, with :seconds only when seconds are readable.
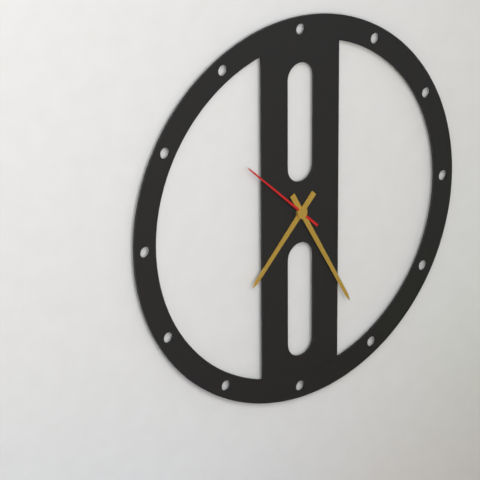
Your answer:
7:25:52
